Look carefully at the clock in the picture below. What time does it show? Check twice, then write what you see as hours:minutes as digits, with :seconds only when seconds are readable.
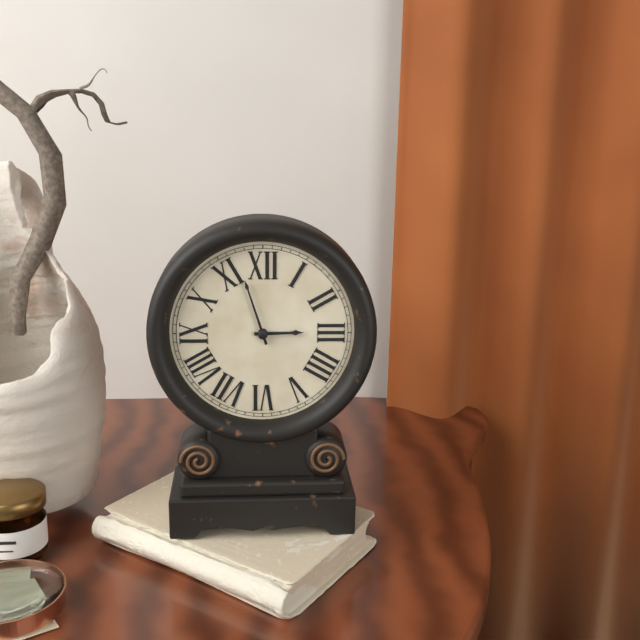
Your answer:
2:57
